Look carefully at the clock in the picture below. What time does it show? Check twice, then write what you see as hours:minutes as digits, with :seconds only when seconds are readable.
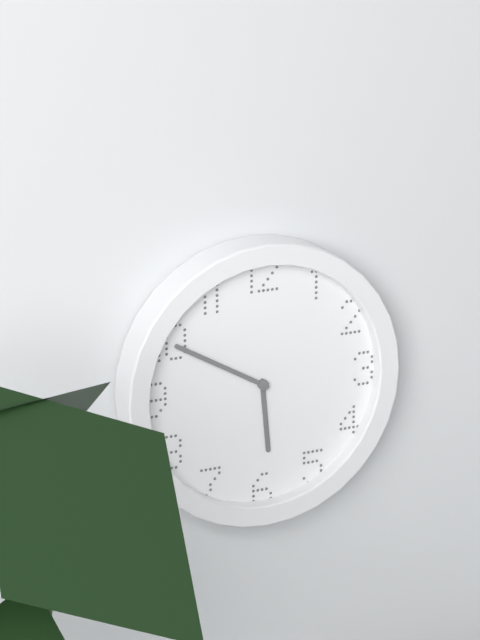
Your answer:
5:50
